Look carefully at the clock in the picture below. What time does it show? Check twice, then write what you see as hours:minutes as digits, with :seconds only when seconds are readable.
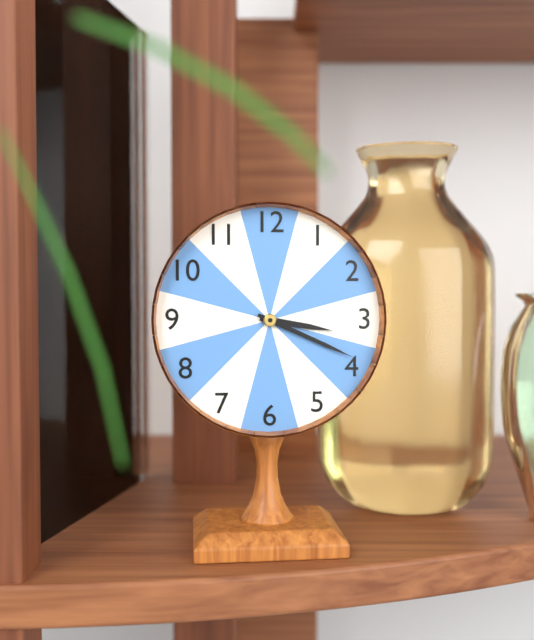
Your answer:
3:19
